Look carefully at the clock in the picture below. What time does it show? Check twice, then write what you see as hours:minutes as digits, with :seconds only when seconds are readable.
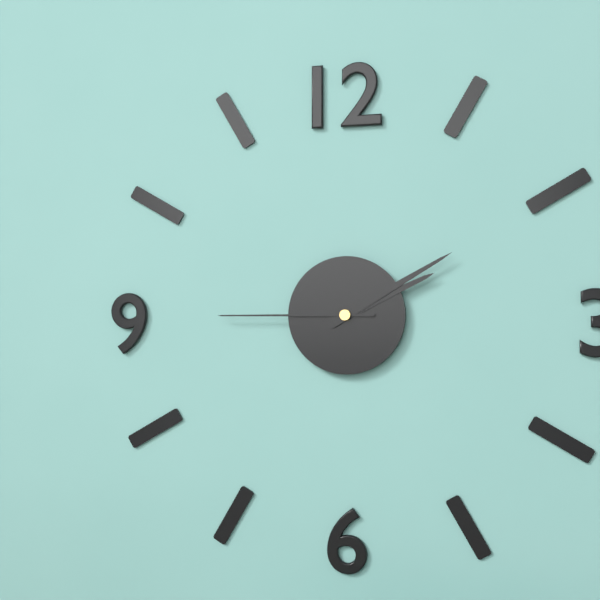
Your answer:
2:10:45
